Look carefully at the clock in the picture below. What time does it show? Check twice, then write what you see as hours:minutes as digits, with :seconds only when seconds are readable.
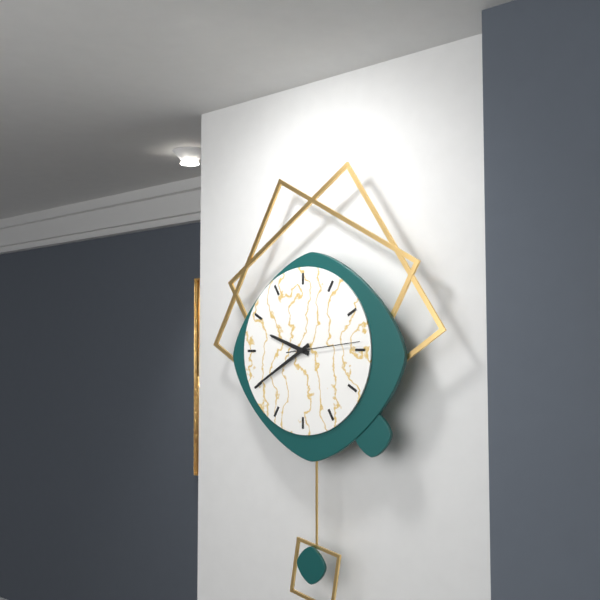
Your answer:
9:40:14
